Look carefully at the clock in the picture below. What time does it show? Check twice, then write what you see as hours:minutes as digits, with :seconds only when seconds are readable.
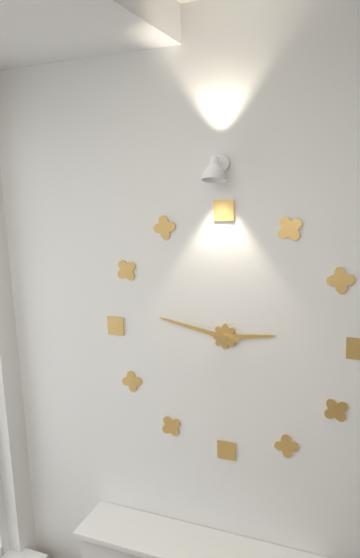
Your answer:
2:47
